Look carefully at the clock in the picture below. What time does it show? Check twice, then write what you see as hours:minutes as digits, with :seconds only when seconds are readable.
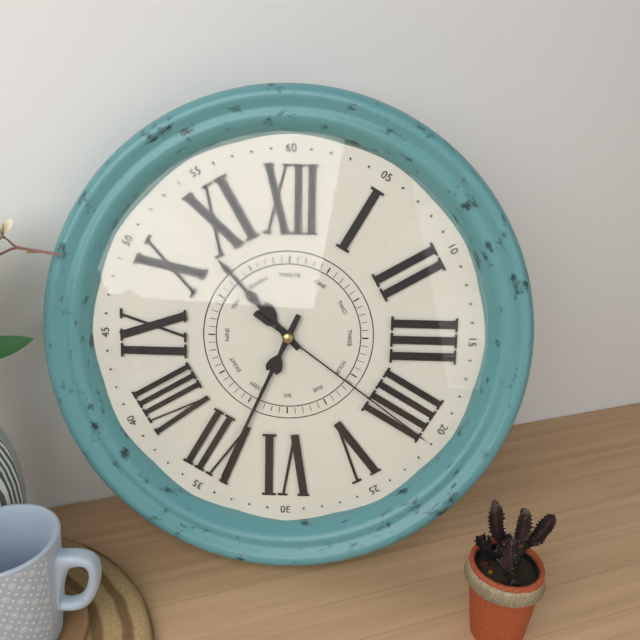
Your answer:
10:34:21
